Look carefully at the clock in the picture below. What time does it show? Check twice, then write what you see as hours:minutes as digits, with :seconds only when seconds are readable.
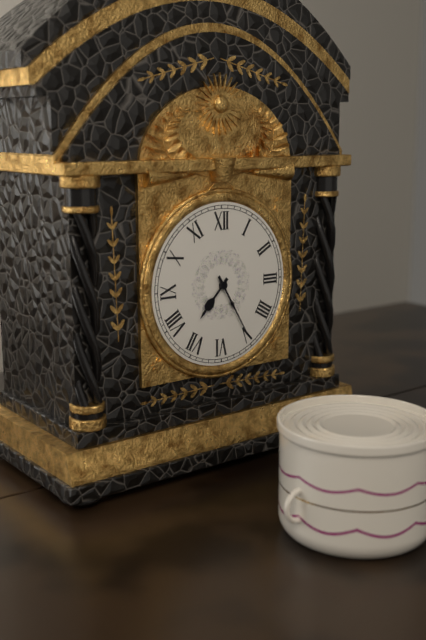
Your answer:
7:25
